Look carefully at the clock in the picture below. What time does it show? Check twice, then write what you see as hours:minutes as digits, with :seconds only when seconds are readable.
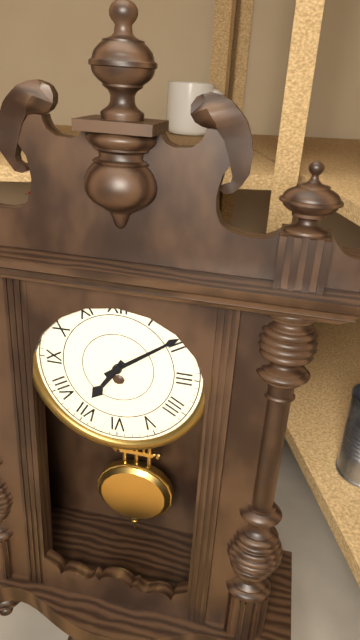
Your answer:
7:09
